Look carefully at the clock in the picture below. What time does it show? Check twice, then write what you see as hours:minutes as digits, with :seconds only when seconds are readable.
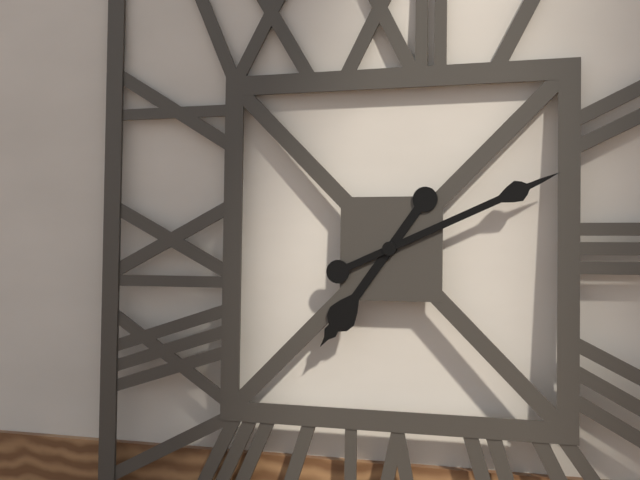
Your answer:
7:11
